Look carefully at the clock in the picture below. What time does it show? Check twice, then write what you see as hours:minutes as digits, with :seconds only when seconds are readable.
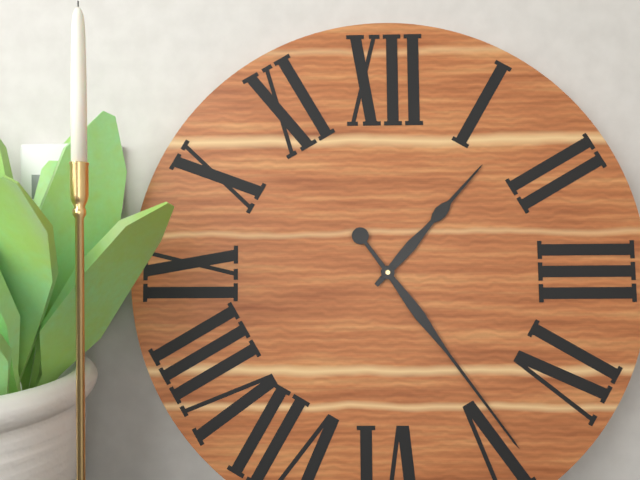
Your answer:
1:24
